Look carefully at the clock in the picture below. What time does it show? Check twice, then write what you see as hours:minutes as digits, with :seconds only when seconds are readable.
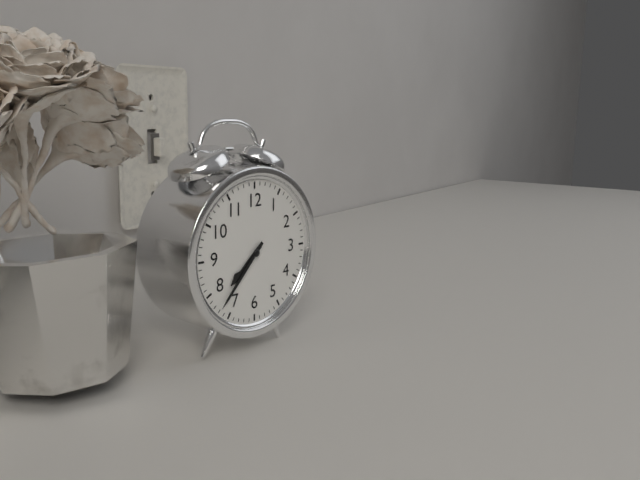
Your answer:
7:37
